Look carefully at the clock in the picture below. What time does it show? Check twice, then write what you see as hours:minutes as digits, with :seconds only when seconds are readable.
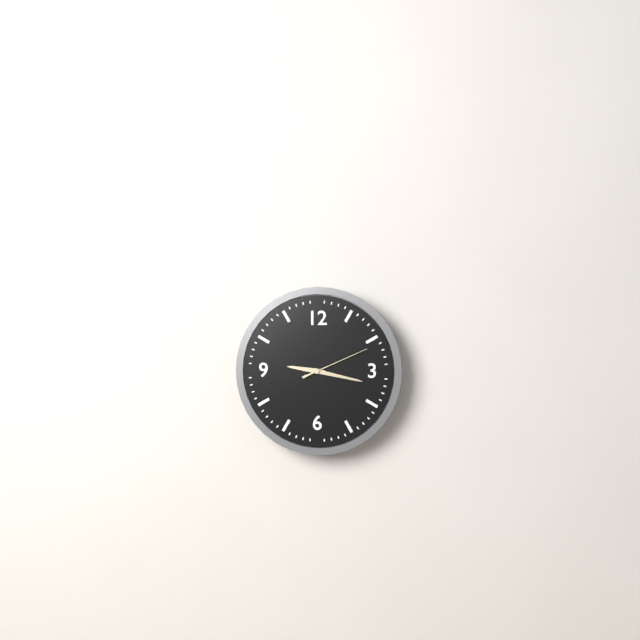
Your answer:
9:17:11
